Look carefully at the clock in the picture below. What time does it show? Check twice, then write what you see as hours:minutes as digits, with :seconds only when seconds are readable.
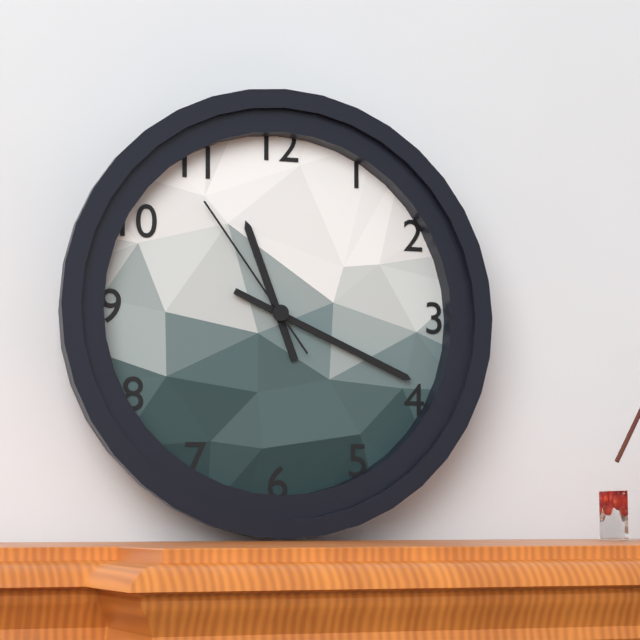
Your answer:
11:19:54
